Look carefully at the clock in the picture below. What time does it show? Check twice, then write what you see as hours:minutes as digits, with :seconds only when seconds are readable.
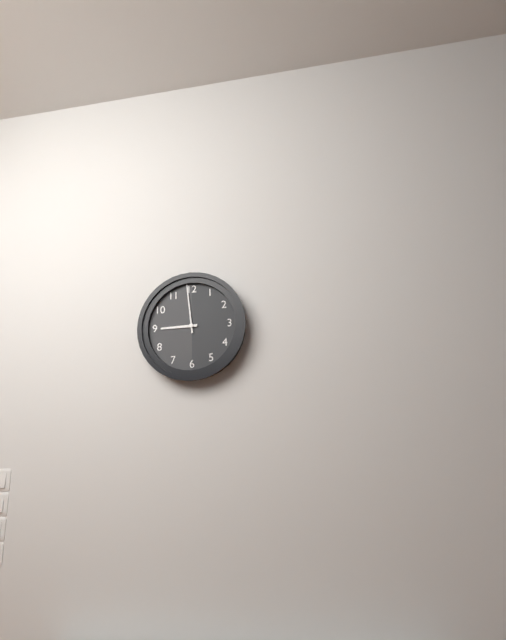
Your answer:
8:59
